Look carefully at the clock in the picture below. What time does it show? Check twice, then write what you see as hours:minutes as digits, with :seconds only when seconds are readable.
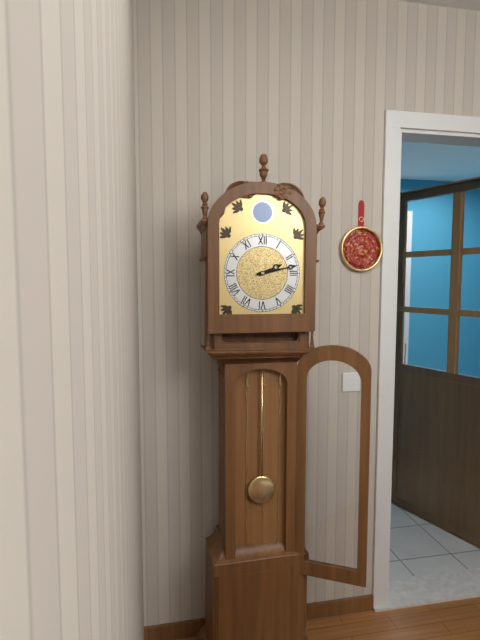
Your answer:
2:13
